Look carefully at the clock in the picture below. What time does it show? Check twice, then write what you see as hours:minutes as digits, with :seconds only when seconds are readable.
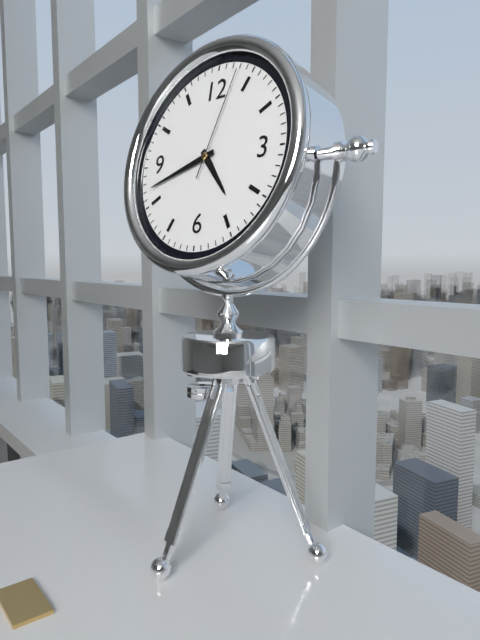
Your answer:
4:42:03
